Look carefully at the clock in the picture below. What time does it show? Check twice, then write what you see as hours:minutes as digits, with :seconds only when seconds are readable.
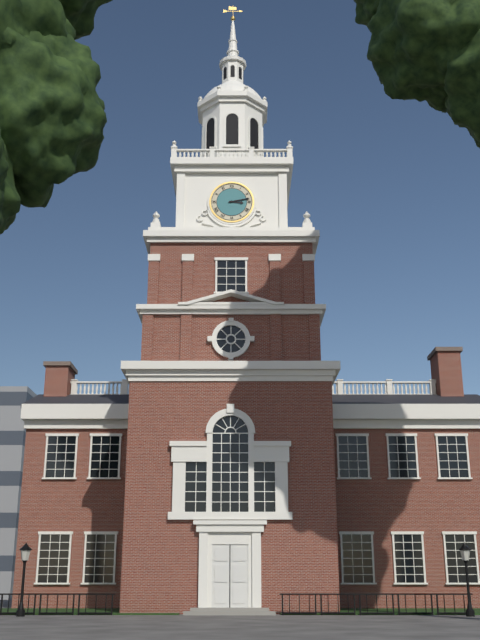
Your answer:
3:13
